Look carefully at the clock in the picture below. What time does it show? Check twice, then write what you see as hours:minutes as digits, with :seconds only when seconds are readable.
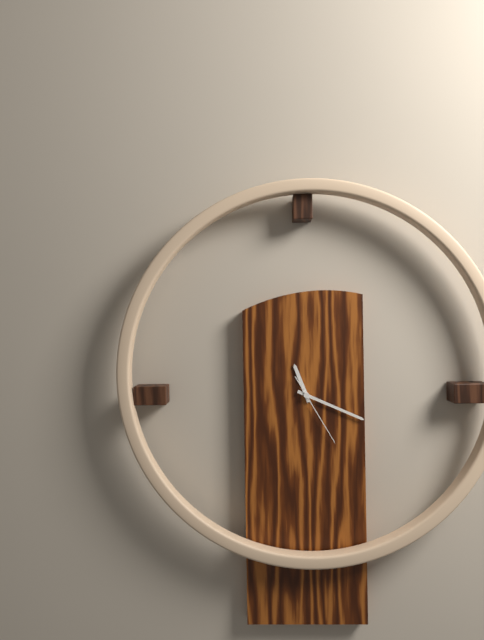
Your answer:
11:19:25
